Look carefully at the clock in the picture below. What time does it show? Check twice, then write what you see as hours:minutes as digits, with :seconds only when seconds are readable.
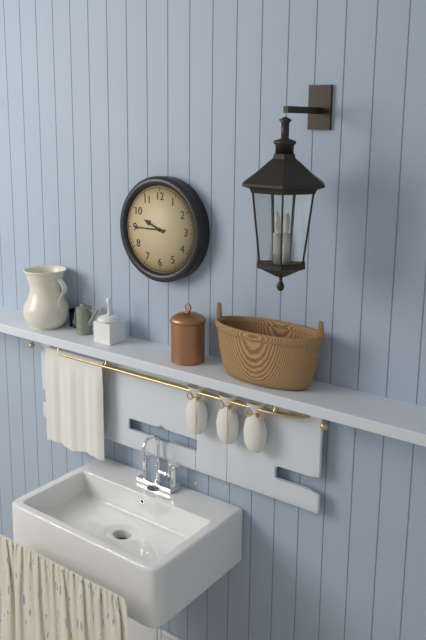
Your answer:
9:45
